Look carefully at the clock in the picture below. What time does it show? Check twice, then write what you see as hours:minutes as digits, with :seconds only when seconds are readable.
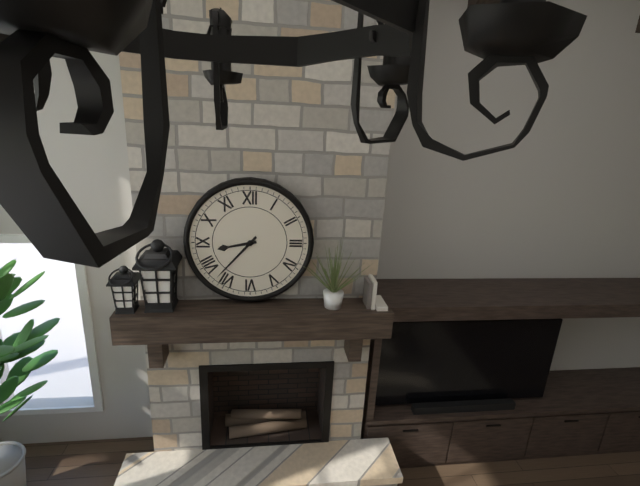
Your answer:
8:37
